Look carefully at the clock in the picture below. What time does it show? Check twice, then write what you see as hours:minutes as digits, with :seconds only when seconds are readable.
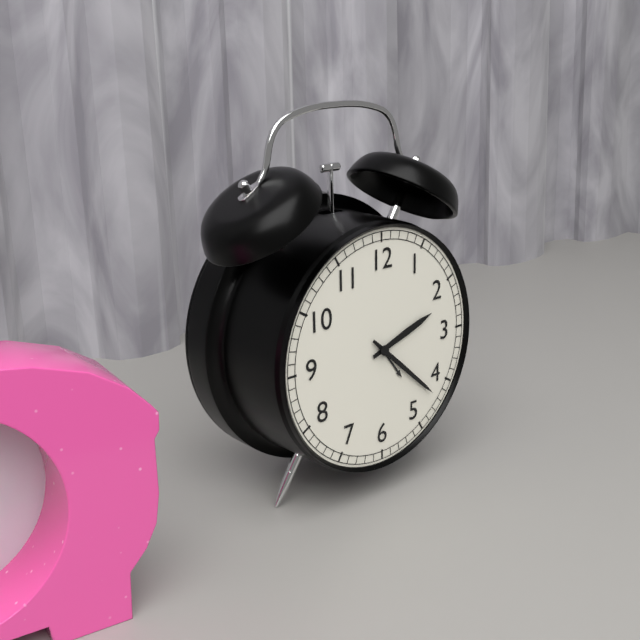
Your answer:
2:22
